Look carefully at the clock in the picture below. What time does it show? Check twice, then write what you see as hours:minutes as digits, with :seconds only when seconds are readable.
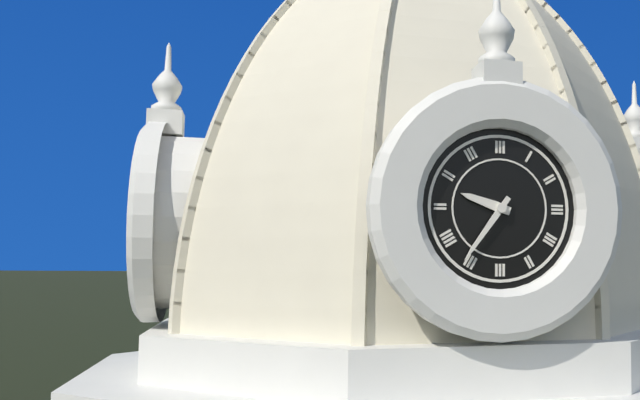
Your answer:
9:36
